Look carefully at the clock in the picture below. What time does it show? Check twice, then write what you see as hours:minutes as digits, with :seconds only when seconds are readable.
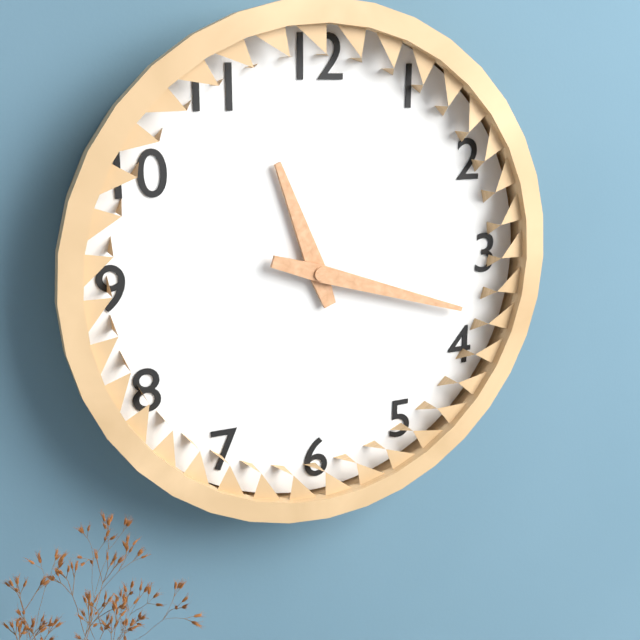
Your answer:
11:18
